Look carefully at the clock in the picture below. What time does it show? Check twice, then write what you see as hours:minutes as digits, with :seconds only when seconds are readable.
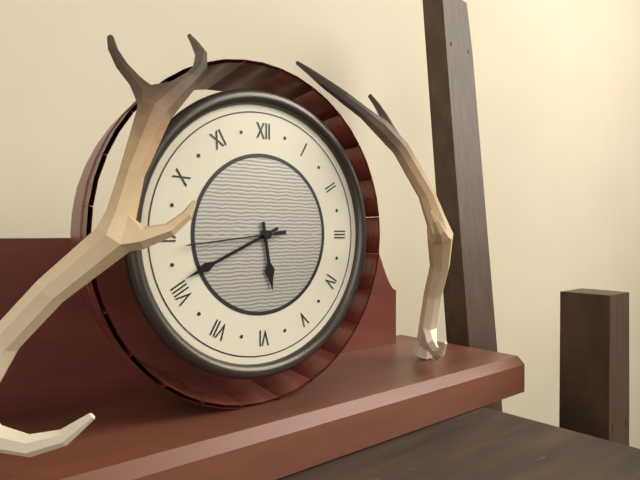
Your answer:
5:41:44
